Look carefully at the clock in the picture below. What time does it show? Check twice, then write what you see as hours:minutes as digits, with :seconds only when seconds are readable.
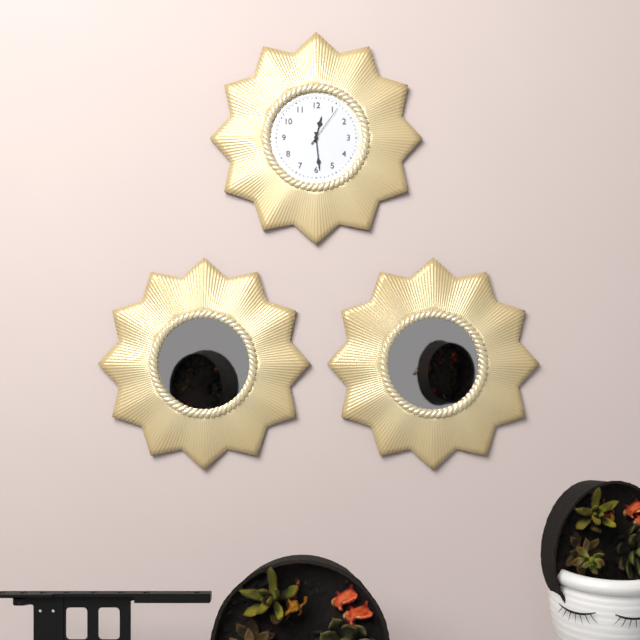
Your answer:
12:29
